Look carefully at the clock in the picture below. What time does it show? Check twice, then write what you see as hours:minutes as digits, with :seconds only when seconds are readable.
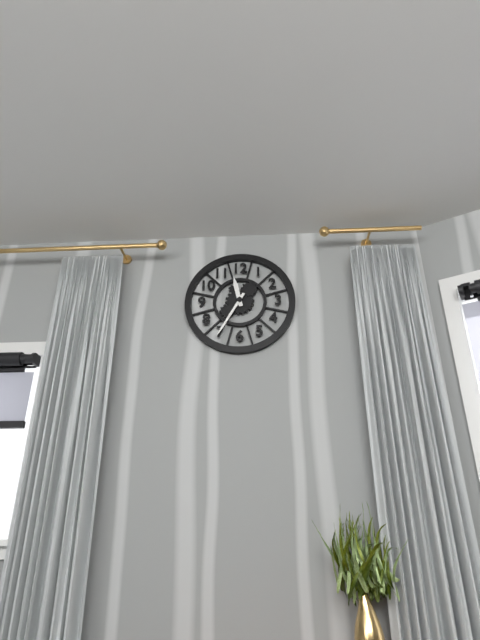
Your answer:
11:35
